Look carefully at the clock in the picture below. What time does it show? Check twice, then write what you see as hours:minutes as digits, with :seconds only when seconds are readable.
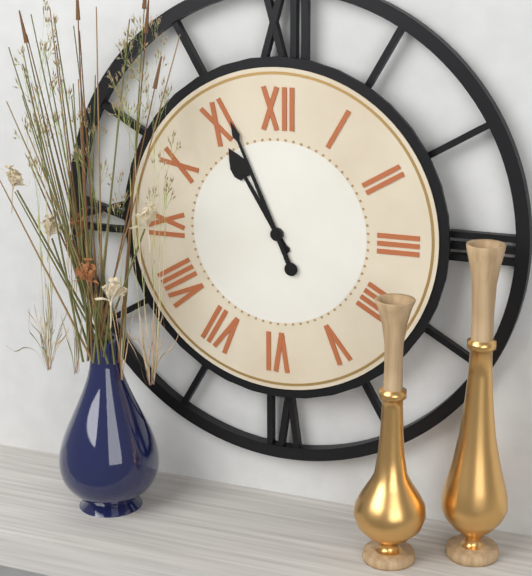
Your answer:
10:56
